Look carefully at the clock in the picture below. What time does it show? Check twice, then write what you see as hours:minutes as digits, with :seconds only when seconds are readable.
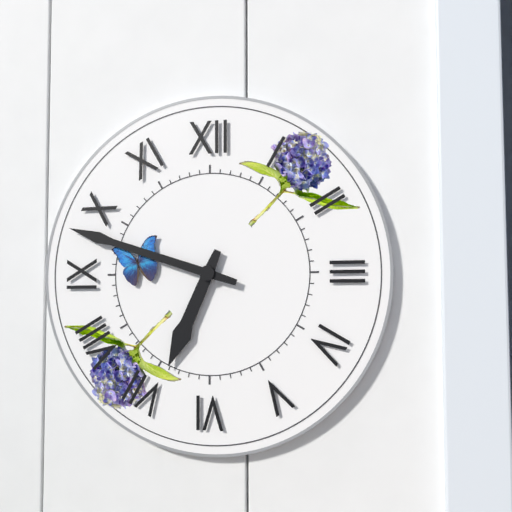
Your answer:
6:48
